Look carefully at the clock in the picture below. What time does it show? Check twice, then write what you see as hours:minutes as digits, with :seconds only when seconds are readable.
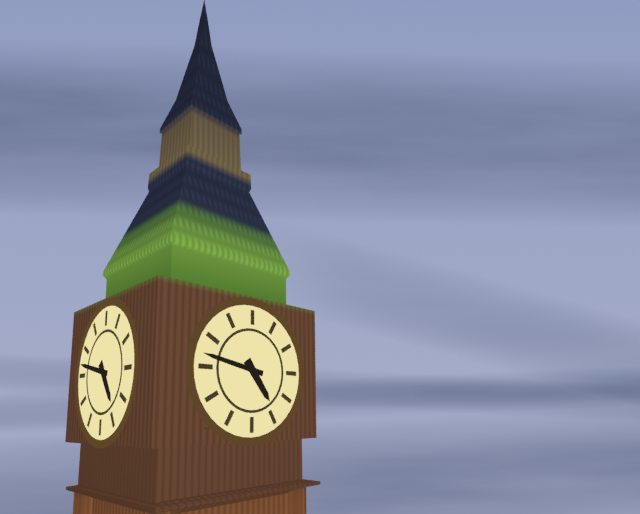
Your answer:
4:47
